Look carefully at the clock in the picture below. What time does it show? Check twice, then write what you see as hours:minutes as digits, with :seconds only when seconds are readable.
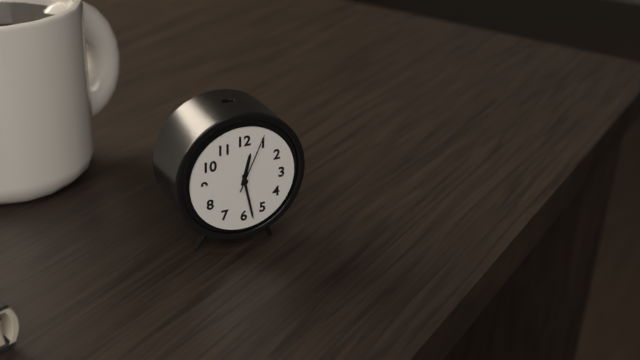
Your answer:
12:28:04
